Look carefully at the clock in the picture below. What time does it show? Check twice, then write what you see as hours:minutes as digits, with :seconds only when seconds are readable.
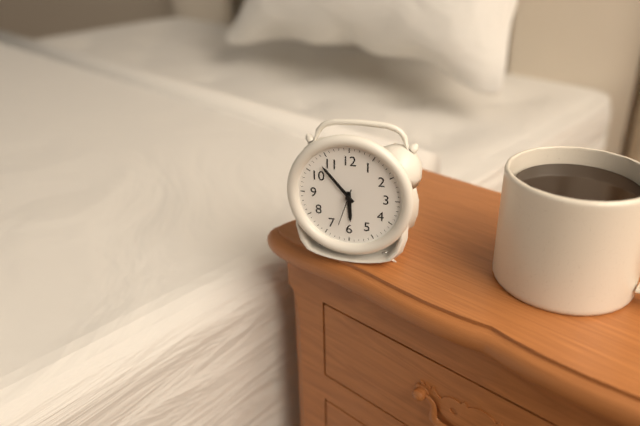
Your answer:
5:53
